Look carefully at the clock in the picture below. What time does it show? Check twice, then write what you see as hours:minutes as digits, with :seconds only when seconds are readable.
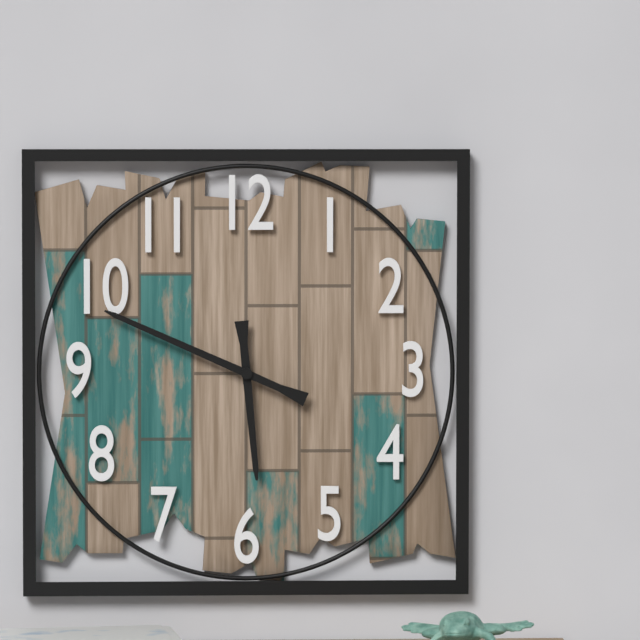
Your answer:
5:49
